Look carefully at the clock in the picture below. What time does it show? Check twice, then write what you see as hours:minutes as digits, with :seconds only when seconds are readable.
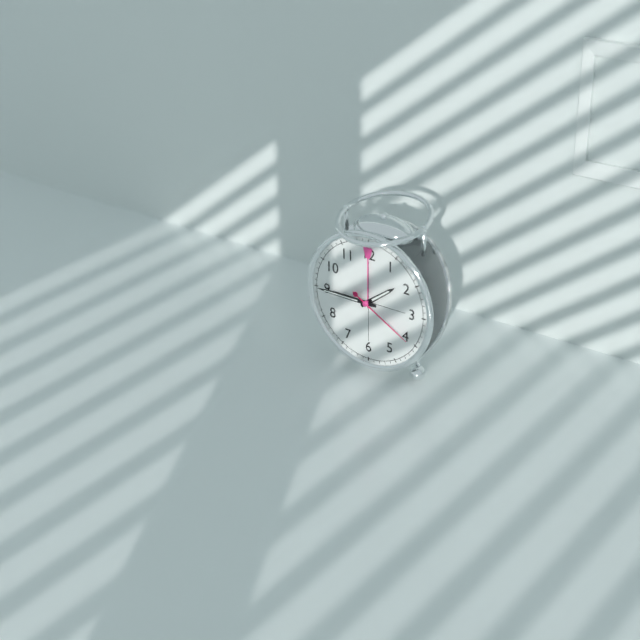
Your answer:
1:45:20
